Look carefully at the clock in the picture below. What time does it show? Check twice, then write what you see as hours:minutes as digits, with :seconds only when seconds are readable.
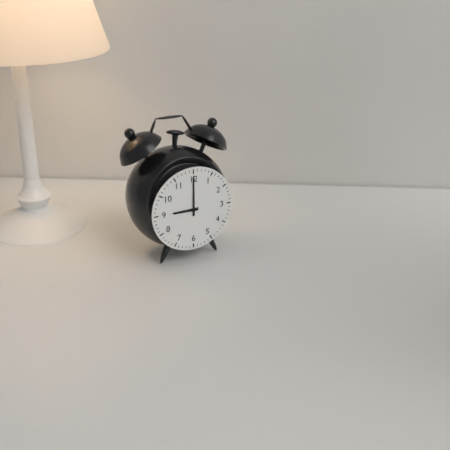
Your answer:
9:00
